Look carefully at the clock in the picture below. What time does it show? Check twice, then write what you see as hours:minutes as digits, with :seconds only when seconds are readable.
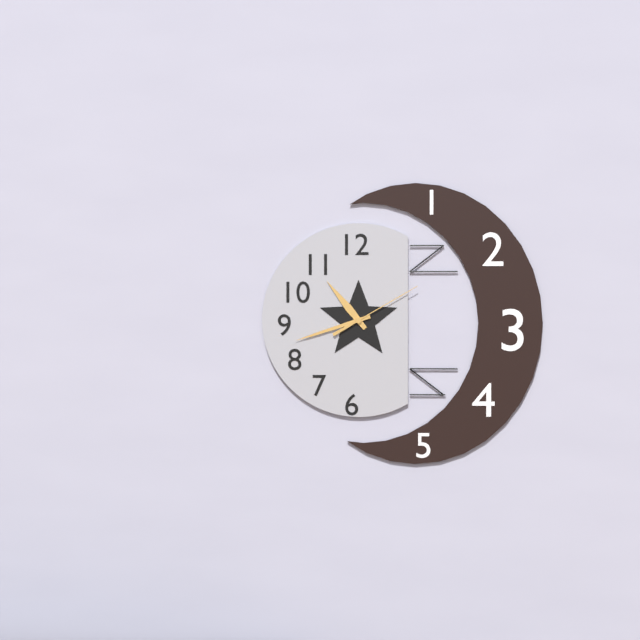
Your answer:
10:42:10
